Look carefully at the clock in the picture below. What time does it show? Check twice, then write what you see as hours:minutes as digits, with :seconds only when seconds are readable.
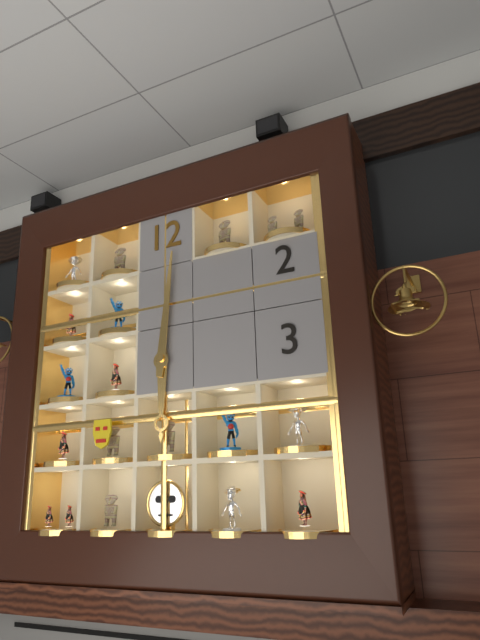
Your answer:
6:01
